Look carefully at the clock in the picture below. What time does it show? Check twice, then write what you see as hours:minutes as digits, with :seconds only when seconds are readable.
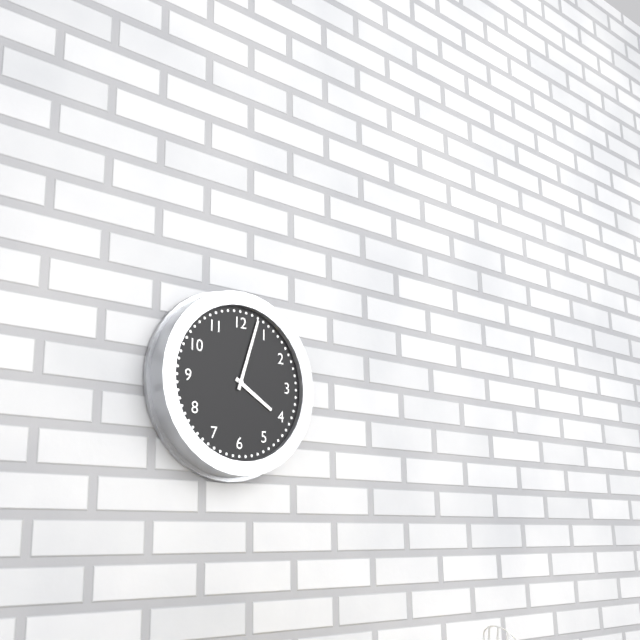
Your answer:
4:03
